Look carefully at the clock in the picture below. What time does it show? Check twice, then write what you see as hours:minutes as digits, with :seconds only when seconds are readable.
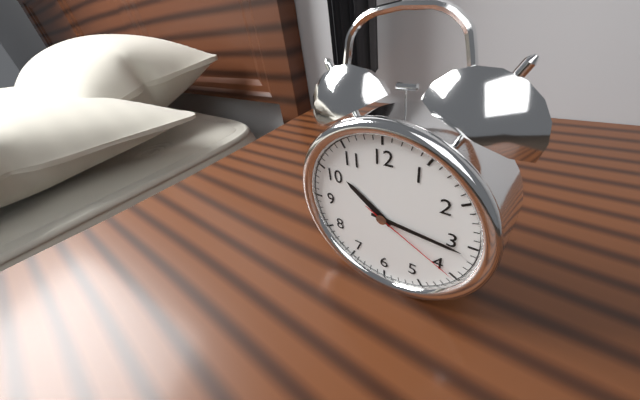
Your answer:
10:16:20
